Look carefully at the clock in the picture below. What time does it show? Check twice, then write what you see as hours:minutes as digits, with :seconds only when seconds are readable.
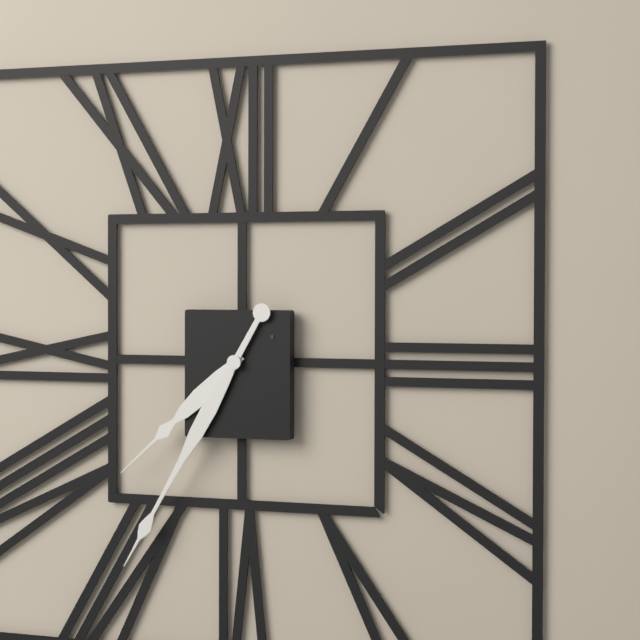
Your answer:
7:35
